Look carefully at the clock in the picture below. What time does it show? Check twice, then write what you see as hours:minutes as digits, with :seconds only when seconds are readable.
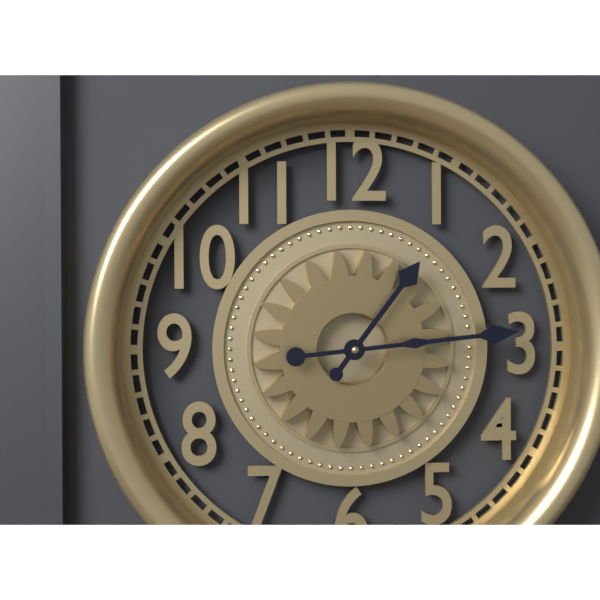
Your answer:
1:14
